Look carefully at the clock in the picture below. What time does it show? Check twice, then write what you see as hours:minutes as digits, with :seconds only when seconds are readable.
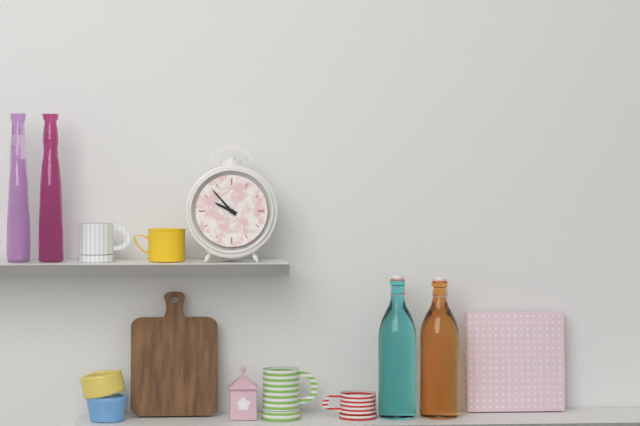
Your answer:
9:53
